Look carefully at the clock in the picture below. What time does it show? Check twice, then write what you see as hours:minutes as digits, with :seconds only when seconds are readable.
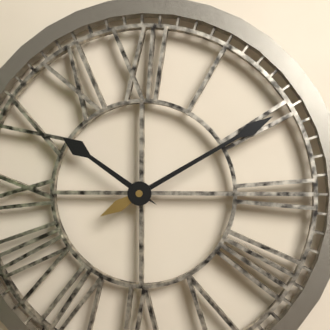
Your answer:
10:10
